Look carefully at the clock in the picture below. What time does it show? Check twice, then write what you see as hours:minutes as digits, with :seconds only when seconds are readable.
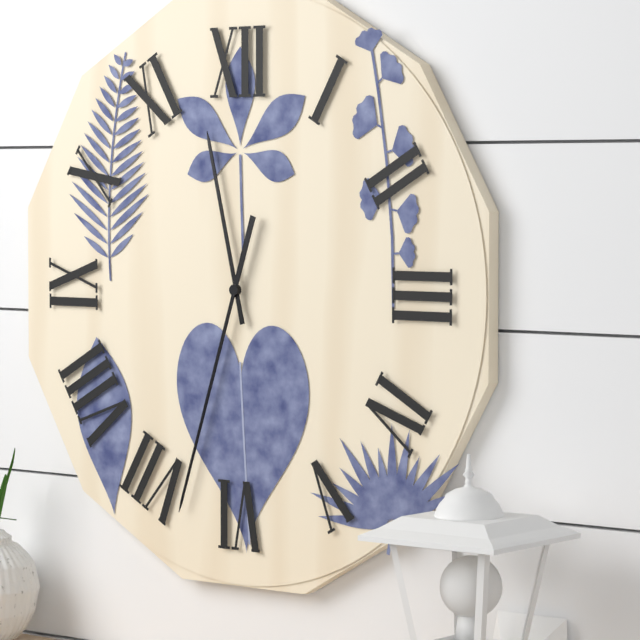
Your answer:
11:33
